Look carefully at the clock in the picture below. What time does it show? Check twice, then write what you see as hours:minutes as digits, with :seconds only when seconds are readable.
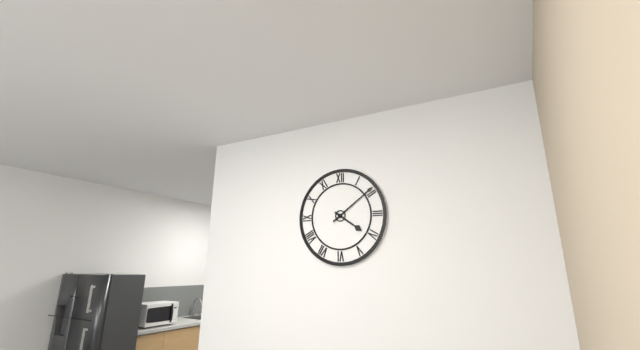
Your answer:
4:09
